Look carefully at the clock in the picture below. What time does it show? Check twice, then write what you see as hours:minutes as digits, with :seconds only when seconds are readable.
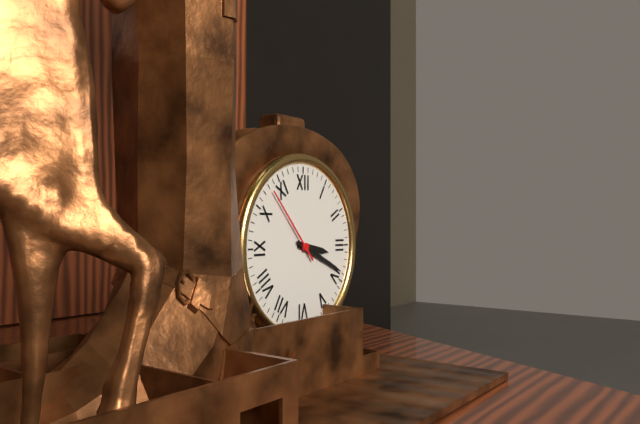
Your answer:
3:19:53
